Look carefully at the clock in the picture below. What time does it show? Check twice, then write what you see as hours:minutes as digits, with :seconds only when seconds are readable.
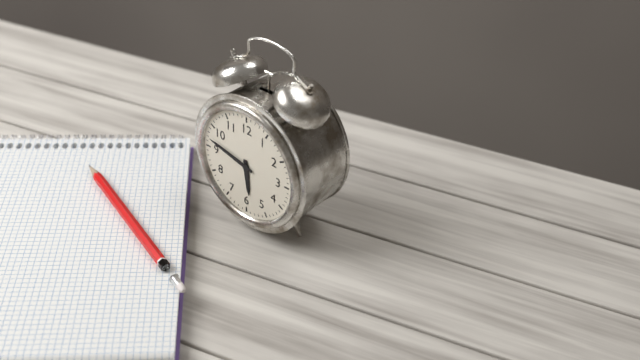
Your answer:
5:47
